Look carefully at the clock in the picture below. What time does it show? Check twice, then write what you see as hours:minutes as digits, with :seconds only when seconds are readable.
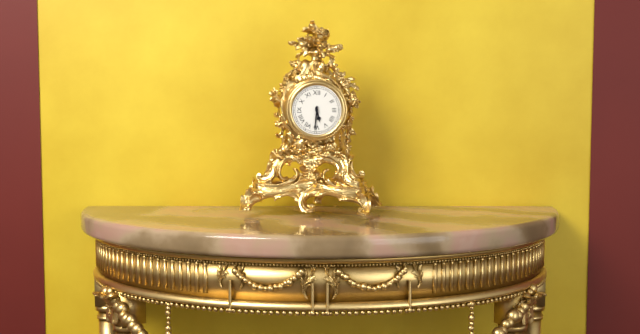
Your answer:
5:31
